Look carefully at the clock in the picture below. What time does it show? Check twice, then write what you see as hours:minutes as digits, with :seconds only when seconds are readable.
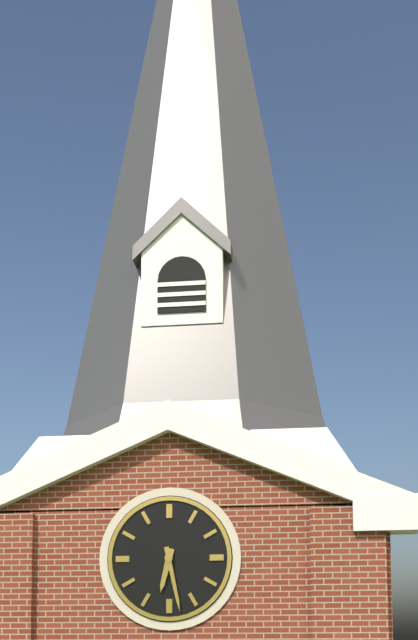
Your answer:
6:28
